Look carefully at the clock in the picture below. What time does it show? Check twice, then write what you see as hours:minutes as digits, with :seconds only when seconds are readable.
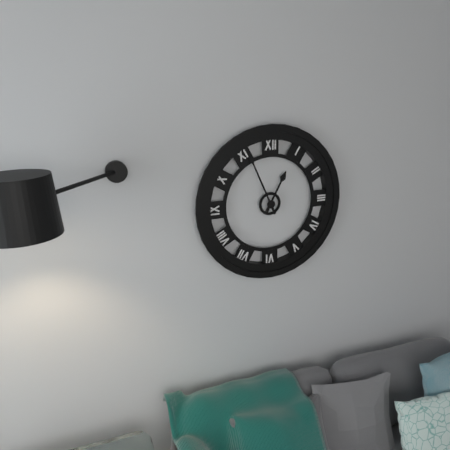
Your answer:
12:56
